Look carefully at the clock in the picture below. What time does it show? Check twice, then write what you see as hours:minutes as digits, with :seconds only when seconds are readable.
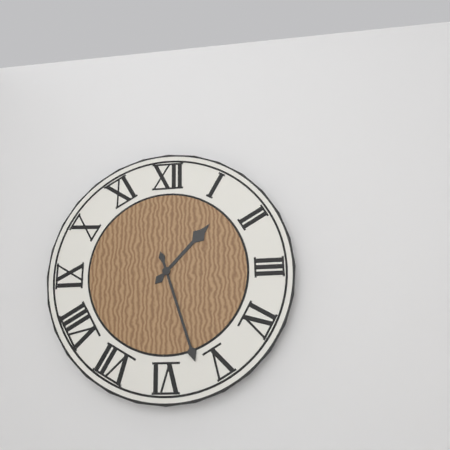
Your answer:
1:27
